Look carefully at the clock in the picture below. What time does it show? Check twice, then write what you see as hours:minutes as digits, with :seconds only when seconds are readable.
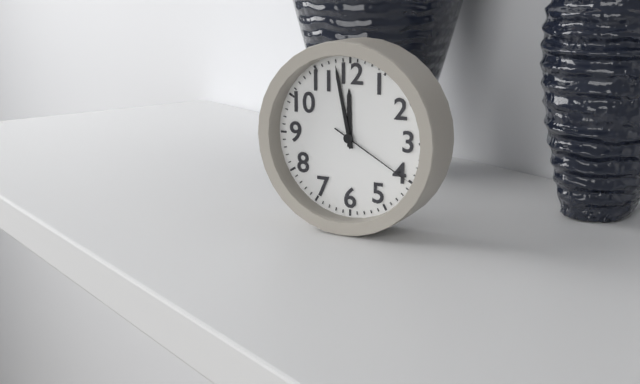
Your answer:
11:58:20
